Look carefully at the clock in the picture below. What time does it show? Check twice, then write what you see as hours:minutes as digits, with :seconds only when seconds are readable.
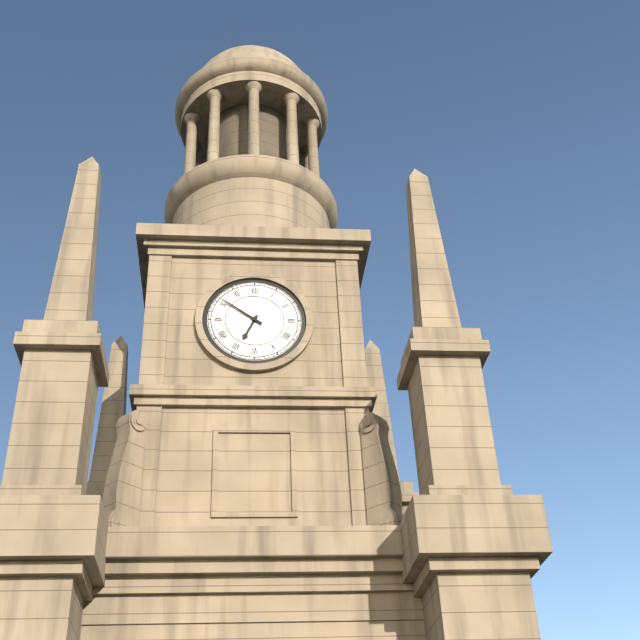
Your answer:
6:51
